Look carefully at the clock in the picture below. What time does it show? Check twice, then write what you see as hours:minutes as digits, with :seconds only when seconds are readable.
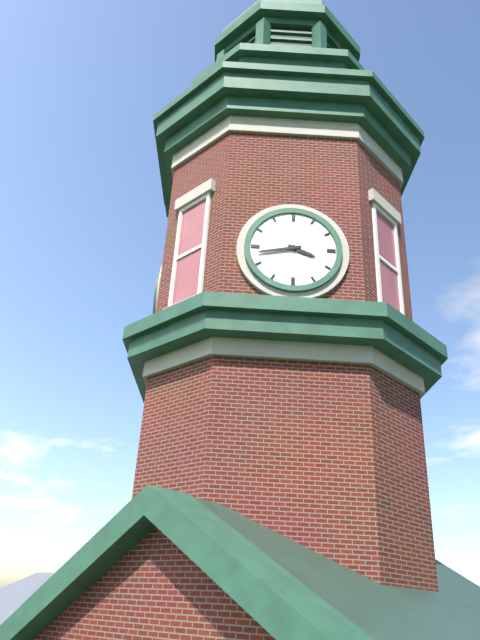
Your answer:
3:43
